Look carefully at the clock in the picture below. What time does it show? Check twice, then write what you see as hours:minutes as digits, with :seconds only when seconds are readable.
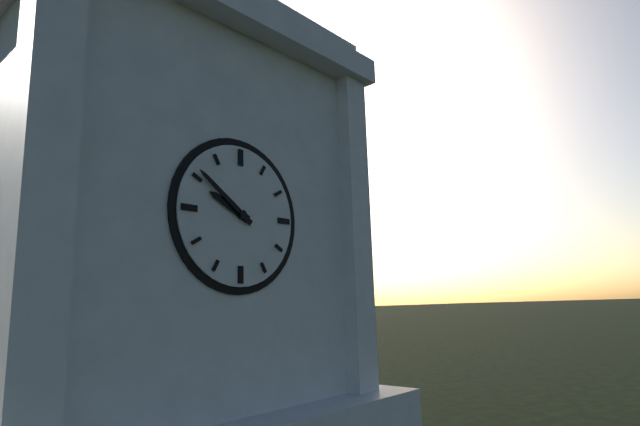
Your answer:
9:51
